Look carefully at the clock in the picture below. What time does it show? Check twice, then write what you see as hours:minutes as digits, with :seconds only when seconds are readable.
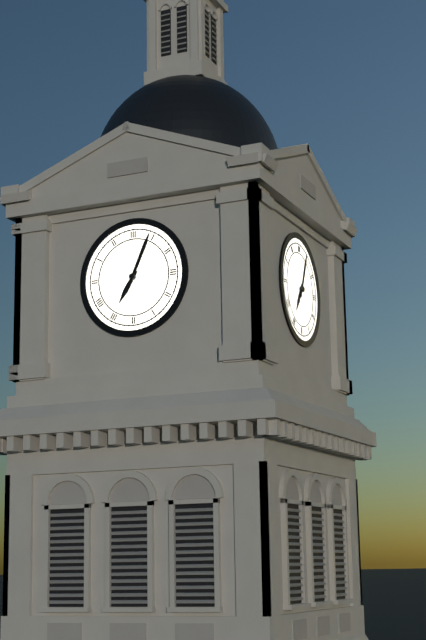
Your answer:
7:04
